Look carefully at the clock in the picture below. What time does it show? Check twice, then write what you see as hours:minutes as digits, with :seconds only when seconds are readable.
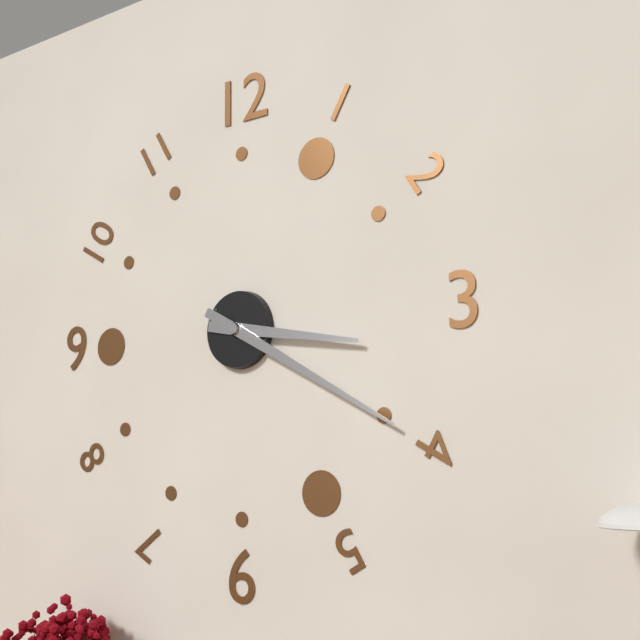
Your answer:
3:20
